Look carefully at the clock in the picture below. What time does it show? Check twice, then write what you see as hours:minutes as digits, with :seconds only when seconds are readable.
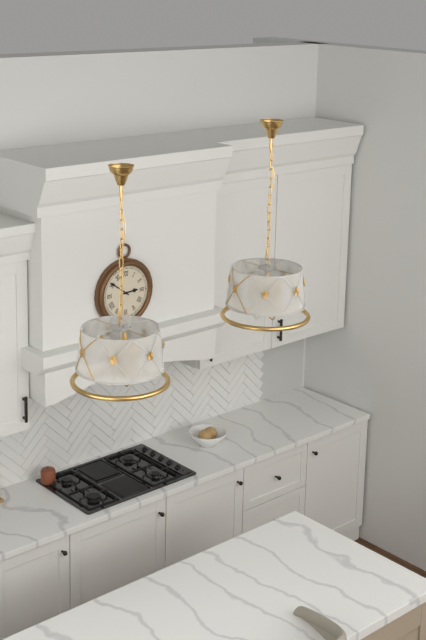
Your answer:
2:51
